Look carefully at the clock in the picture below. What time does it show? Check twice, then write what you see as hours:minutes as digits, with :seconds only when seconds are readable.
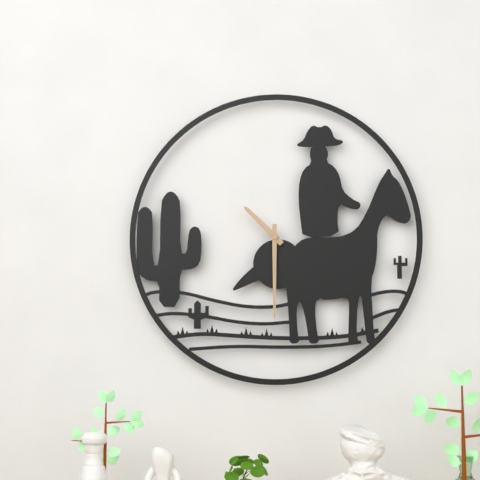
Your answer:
10:30
